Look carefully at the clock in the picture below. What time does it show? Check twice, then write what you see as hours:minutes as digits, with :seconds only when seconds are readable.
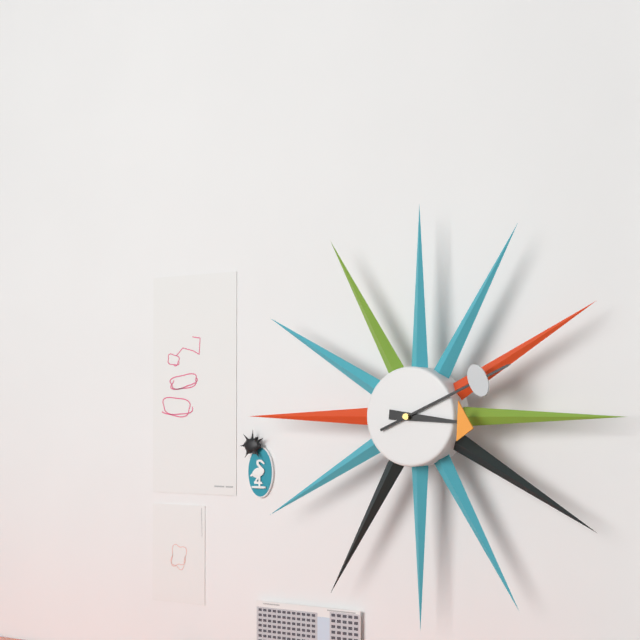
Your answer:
3:11
